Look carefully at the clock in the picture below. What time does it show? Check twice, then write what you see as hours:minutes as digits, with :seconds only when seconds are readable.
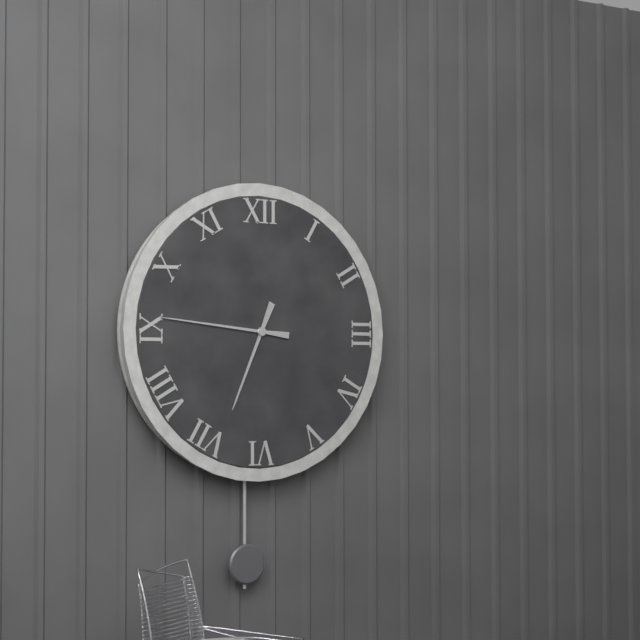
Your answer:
6:46
